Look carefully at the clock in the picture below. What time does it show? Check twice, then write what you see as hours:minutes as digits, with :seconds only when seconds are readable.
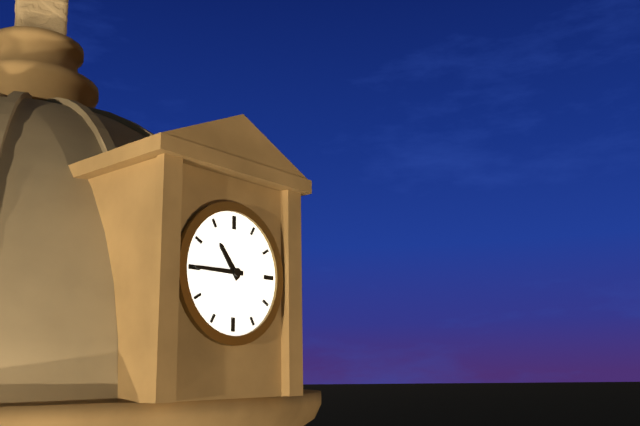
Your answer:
10:45
